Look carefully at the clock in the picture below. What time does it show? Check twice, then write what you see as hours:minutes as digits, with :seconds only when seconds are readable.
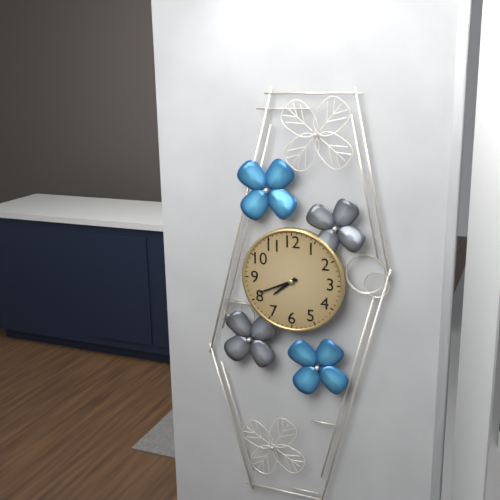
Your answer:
7:41
